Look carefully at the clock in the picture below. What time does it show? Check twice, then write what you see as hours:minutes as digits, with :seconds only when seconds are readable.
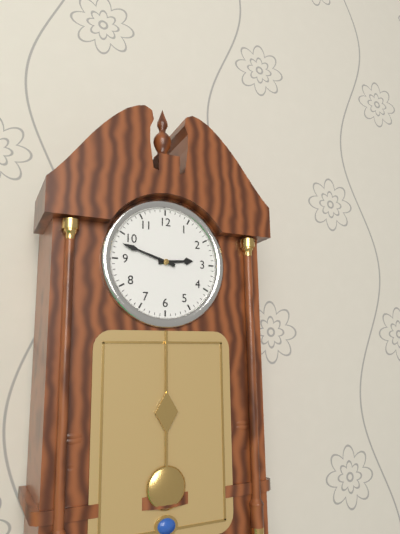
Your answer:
2:48
